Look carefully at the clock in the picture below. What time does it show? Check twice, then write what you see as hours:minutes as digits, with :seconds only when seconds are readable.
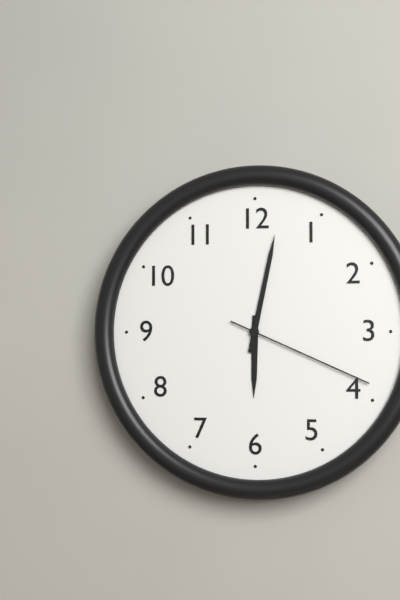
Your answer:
6:02:19
